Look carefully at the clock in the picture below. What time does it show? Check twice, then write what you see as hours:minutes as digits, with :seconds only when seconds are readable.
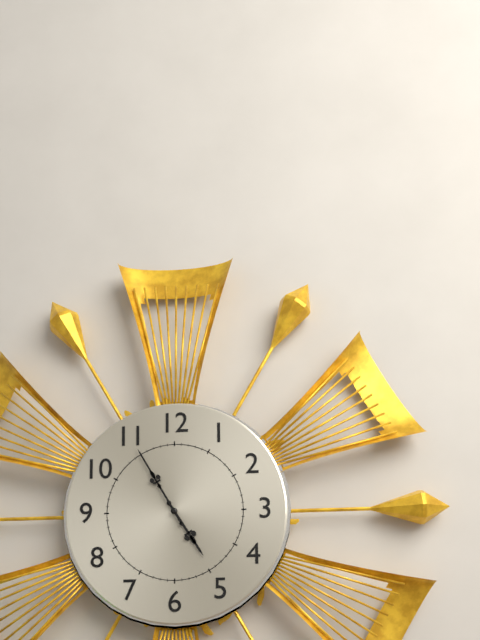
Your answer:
4:55
